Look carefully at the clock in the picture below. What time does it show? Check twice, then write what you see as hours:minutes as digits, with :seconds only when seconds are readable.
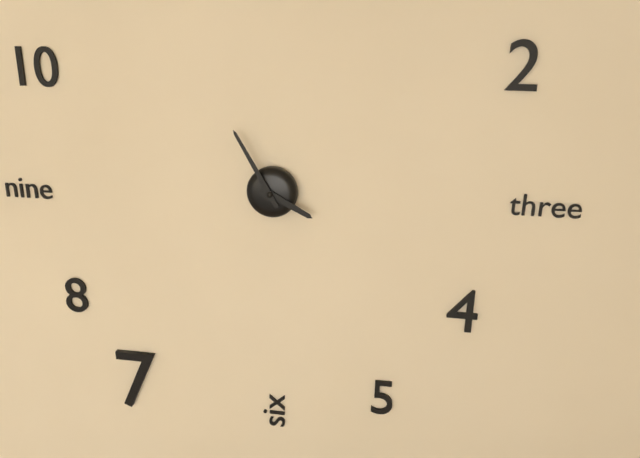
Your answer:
3:55
